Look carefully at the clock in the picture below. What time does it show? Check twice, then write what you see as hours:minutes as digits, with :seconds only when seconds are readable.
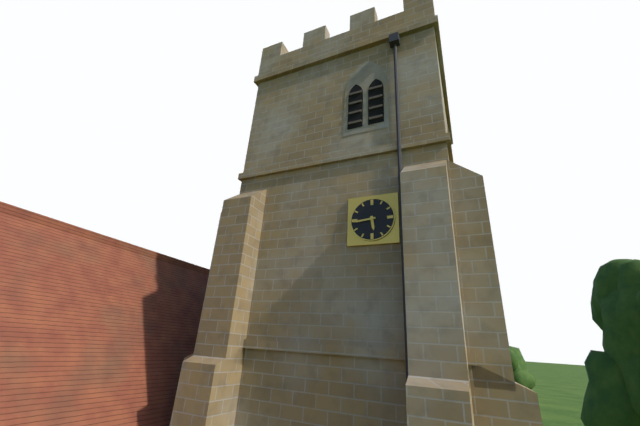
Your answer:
5:44
